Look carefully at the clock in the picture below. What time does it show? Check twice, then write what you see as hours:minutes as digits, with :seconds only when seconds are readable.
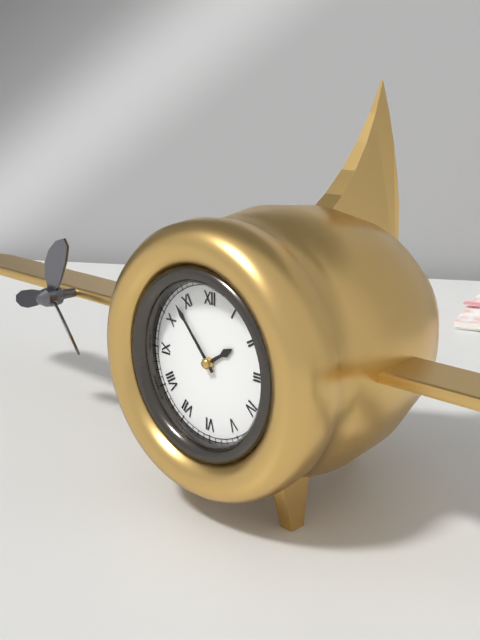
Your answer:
1:53
